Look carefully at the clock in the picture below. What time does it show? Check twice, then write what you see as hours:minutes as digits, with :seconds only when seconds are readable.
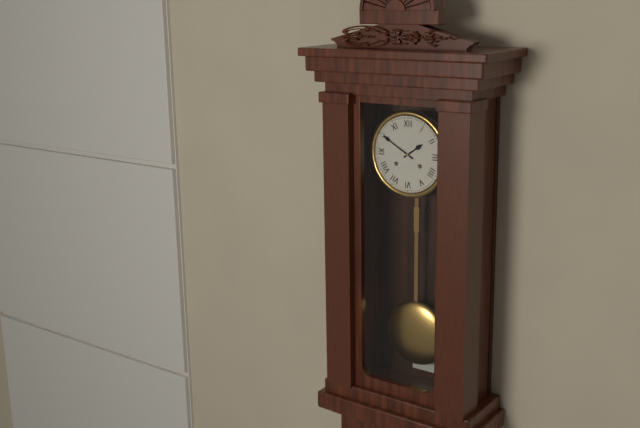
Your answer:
1:50
